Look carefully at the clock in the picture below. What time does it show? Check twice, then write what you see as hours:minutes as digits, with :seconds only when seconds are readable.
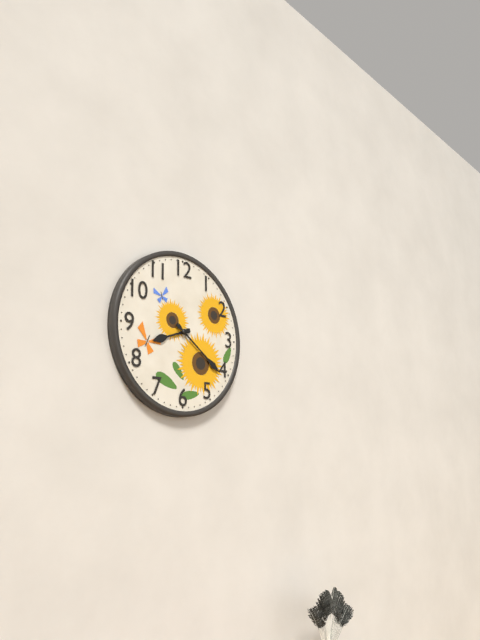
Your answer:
8:21
